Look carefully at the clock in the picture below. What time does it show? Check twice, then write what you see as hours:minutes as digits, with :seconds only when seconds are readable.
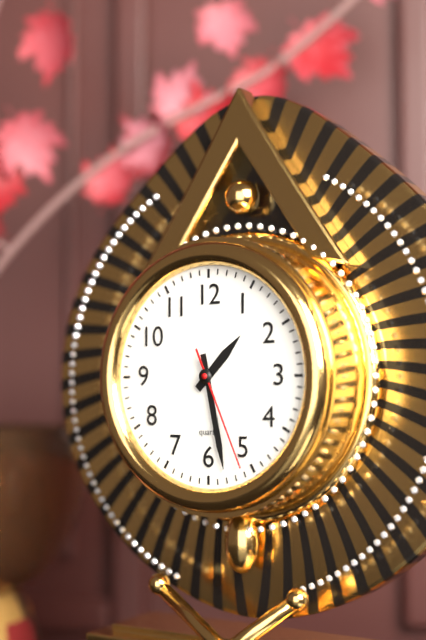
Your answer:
1:28:26
